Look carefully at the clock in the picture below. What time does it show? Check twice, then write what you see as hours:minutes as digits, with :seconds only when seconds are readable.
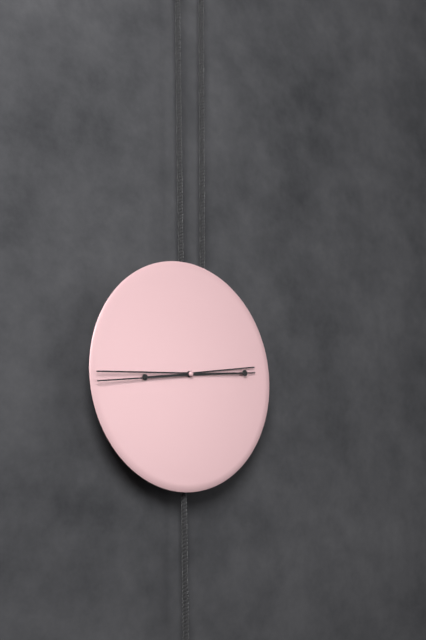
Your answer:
2:44
